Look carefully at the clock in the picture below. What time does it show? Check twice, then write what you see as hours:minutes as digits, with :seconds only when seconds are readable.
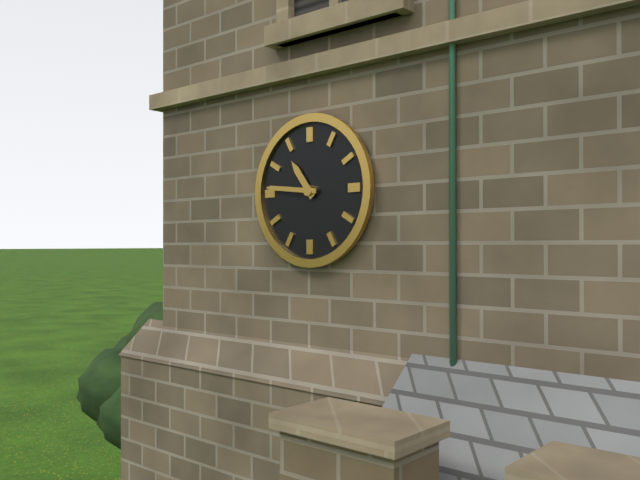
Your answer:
10:46
